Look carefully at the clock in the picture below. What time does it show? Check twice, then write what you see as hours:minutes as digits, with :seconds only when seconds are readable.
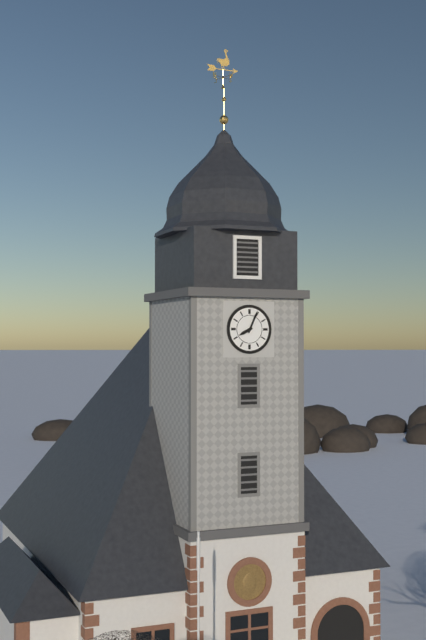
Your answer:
8:04
